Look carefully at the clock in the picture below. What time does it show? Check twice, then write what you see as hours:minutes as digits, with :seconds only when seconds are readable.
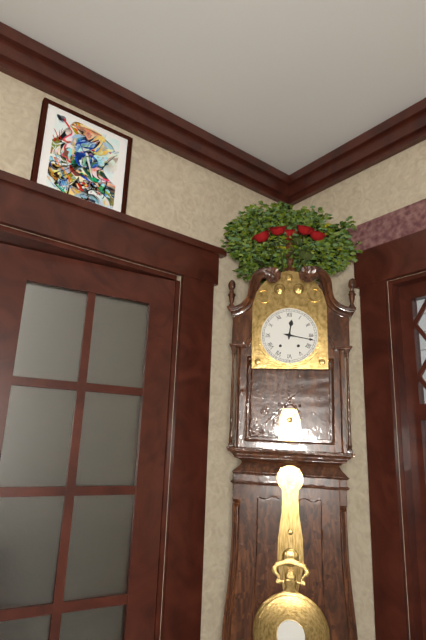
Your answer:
12:17
